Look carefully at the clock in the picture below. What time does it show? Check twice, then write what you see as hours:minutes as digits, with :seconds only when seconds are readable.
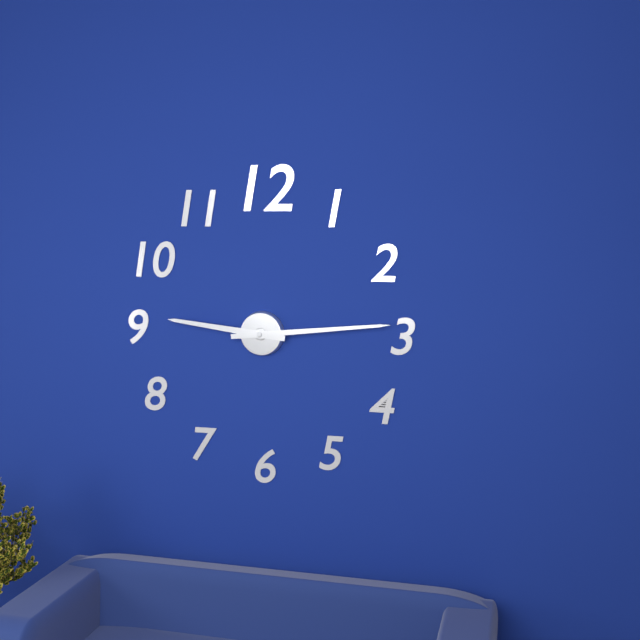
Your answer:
9:14
